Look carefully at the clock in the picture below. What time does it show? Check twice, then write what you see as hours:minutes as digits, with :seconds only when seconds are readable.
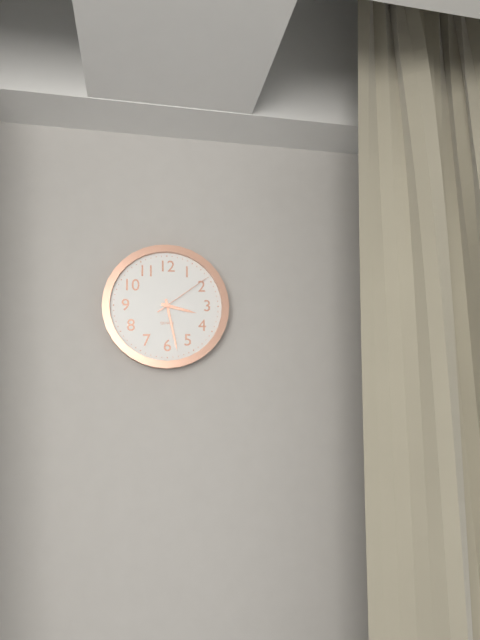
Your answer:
3:28:09
